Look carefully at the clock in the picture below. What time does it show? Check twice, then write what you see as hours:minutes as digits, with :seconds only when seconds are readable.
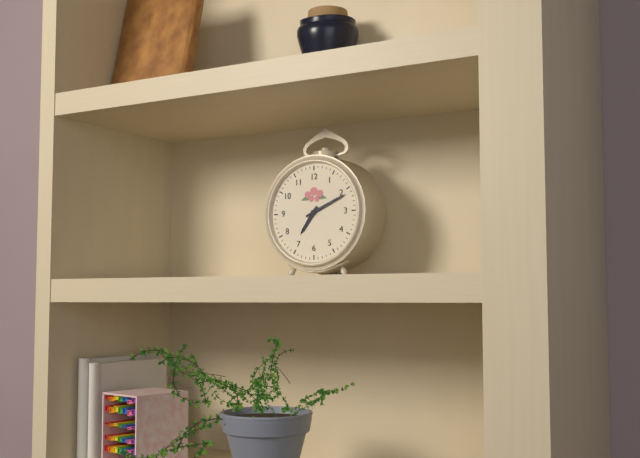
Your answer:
7:11
